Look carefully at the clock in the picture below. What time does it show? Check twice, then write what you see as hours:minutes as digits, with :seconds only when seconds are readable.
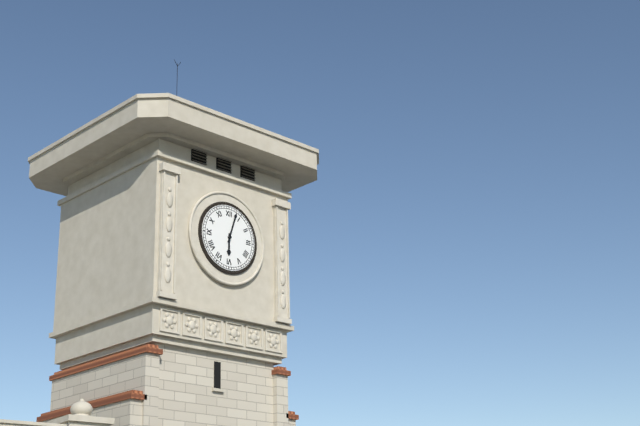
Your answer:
6:03
